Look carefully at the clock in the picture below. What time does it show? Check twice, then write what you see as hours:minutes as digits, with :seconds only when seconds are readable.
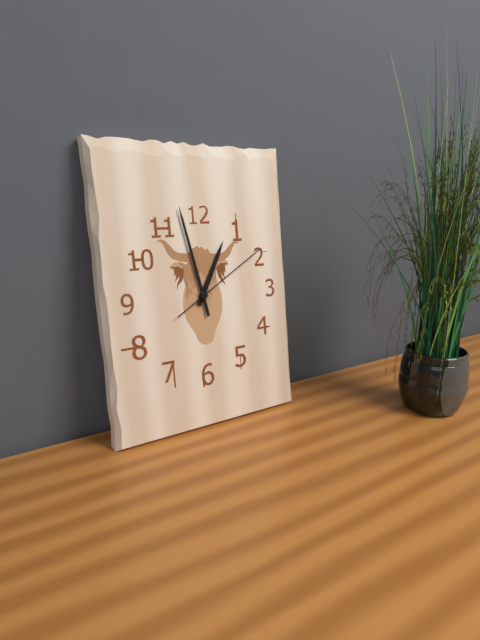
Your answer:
12:58:10
